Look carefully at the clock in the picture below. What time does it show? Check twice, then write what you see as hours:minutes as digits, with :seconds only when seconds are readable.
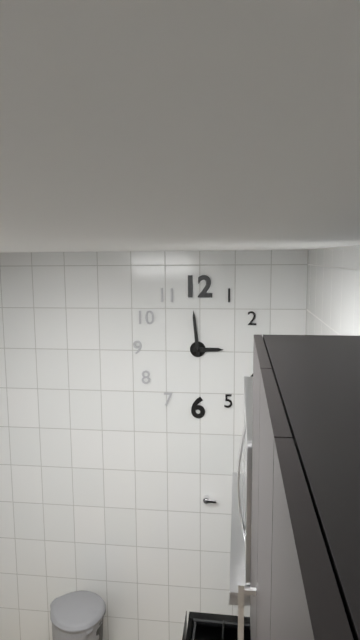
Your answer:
2:59
